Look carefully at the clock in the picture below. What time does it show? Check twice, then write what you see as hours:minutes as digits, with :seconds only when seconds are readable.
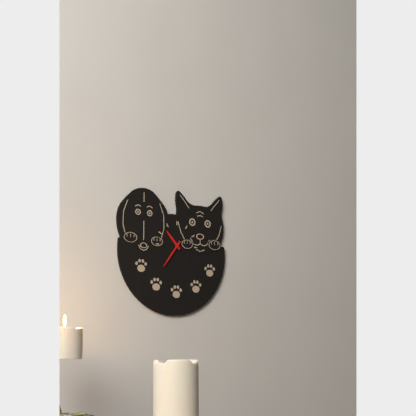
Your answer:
10:36
